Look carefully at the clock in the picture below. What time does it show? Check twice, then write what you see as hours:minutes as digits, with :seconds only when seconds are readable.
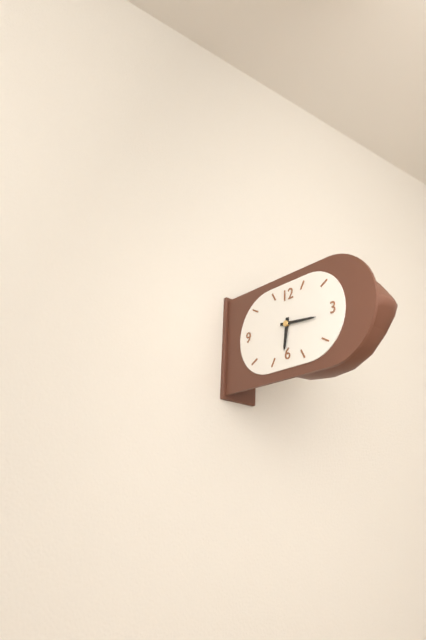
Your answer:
6:16
